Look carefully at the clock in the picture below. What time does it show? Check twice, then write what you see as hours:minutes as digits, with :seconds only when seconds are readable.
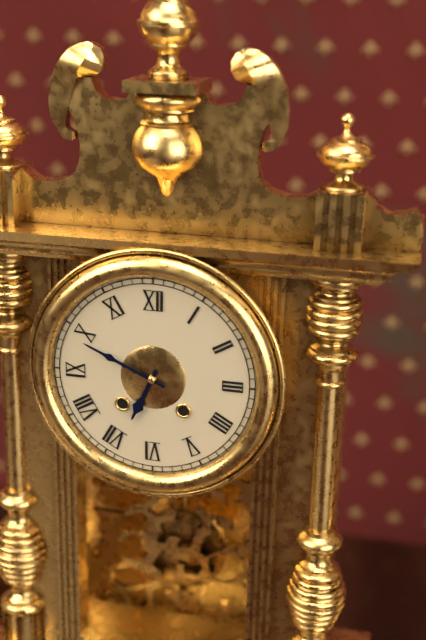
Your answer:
6:49
